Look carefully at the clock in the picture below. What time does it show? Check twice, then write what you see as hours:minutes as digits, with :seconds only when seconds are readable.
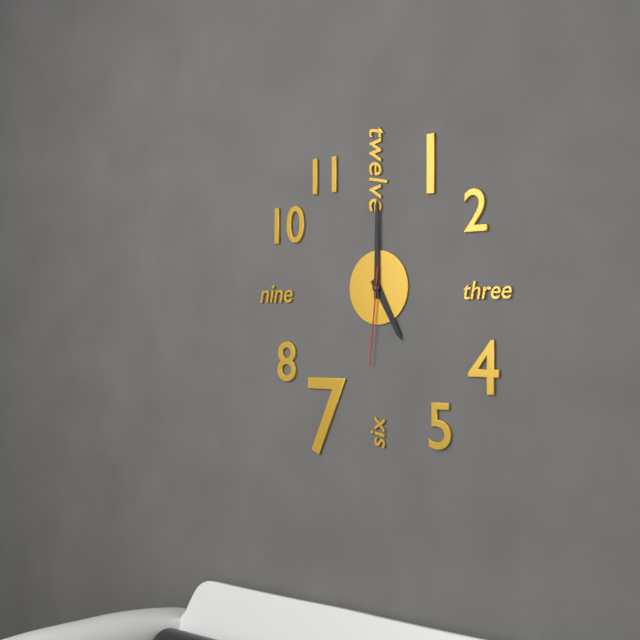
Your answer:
5:00:31
